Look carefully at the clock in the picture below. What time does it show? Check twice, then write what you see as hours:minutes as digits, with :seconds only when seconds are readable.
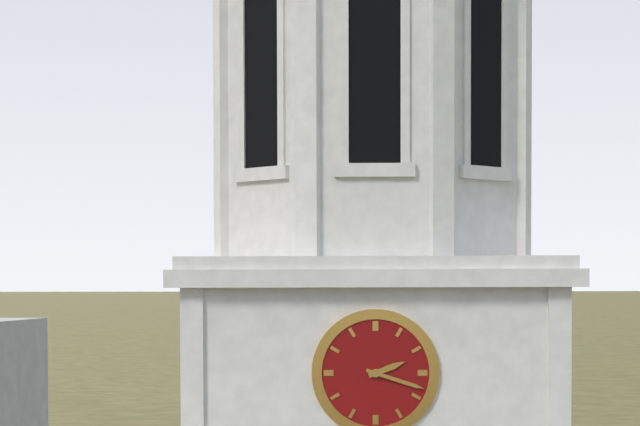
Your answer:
2:18
